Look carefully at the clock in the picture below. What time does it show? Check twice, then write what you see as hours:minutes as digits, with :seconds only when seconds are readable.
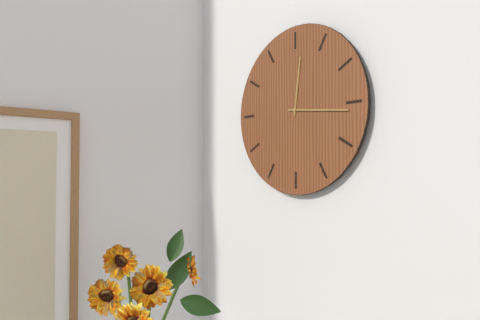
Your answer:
12:16
